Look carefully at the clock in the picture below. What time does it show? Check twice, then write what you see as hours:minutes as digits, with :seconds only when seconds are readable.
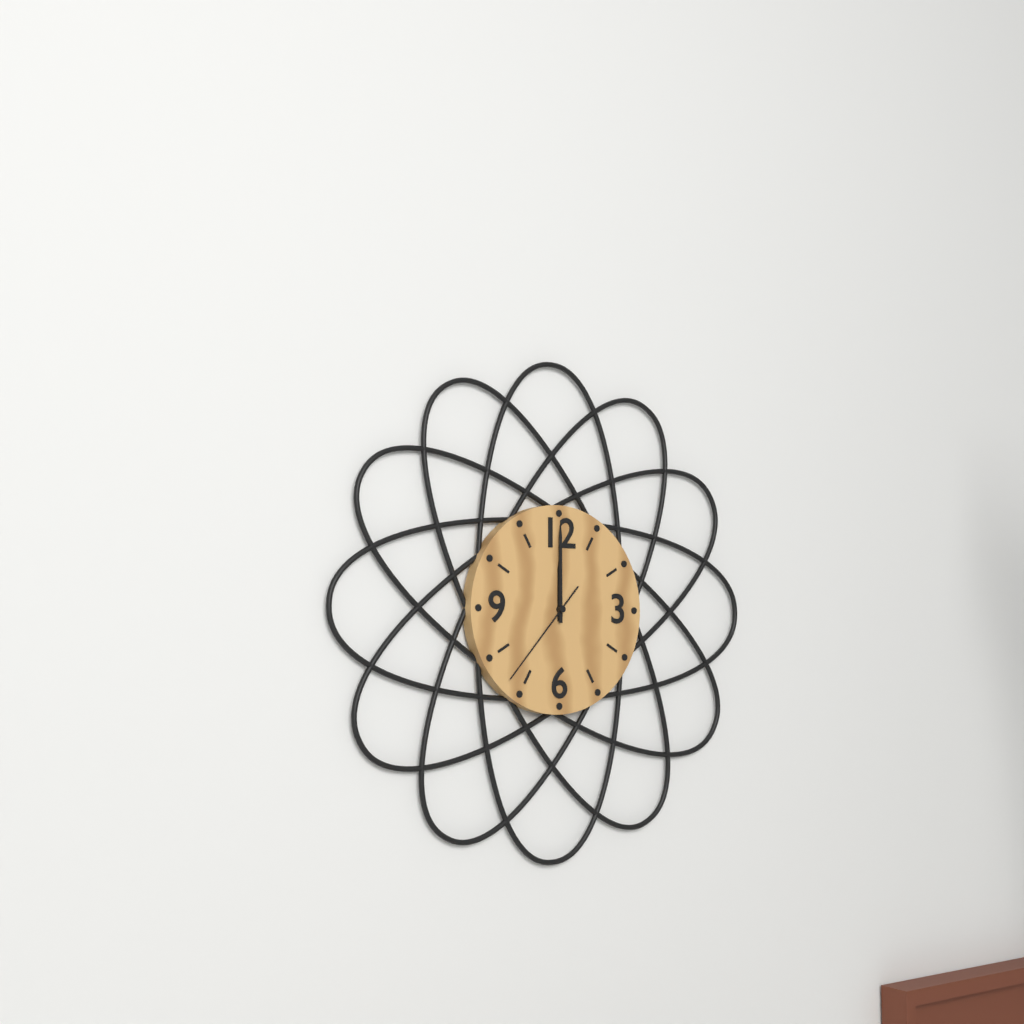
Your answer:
12:00:37
